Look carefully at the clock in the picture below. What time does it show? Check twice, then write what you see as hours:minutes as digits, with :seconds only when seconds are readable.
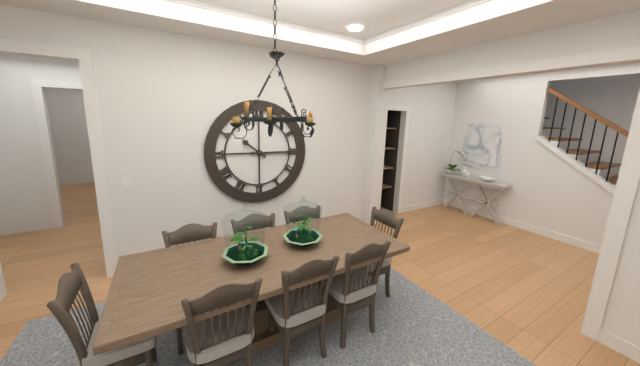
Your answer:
10:15
